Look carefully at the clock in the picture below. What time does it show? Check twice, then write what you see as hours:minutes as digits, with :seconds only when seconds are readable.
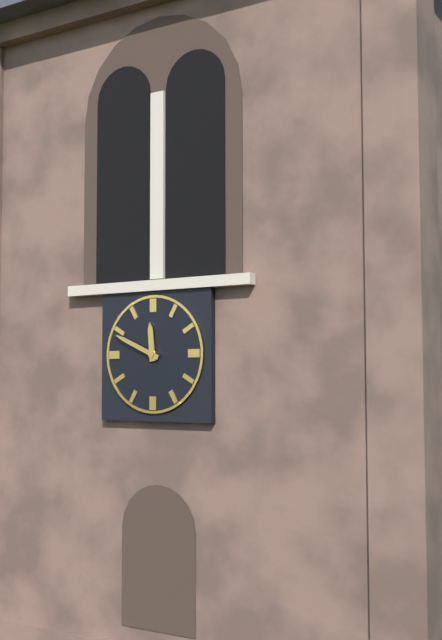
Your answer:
11:49
